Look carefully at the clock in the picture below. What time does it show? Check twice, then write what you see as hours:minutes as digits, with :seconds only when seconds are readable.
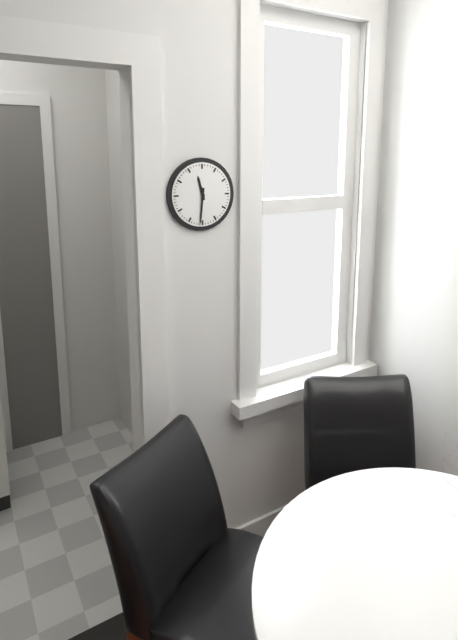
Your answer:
11:31
